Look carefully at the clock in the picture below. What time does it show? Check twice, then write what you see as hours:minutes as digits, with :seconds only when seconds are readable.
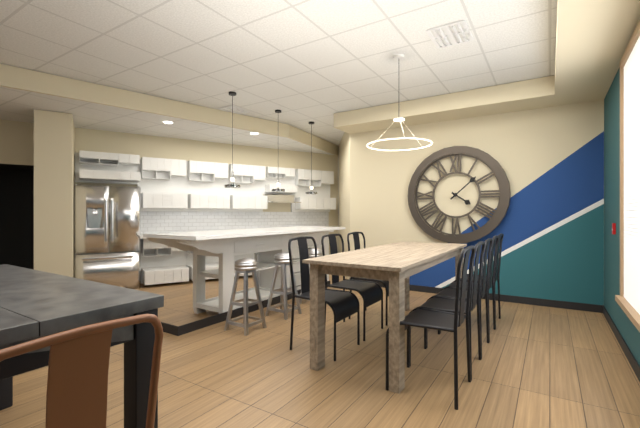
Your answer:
4:08
